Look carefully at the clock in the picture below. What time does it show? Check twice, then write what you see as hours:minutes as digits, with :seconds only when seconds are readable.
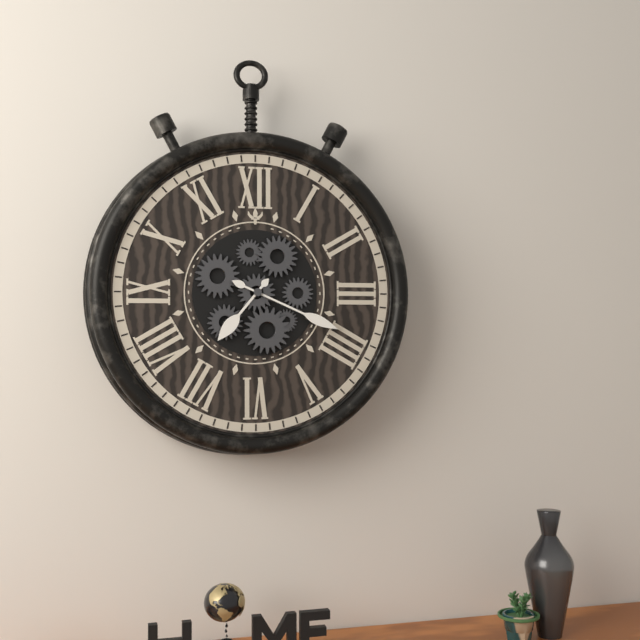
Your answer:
7:19
